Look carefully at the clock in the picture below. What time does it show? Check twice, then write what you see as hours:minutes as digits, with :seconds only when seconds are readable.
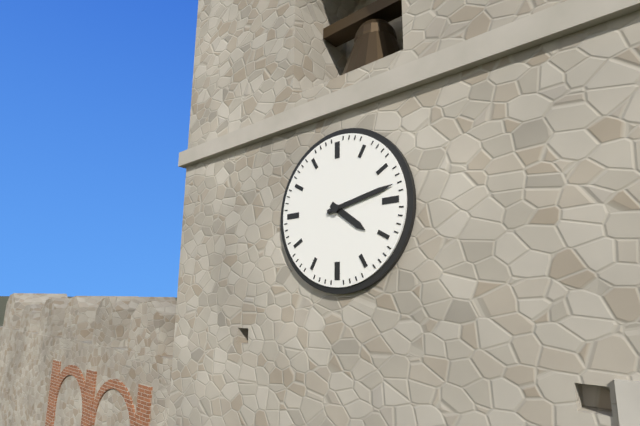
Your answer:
4:13
